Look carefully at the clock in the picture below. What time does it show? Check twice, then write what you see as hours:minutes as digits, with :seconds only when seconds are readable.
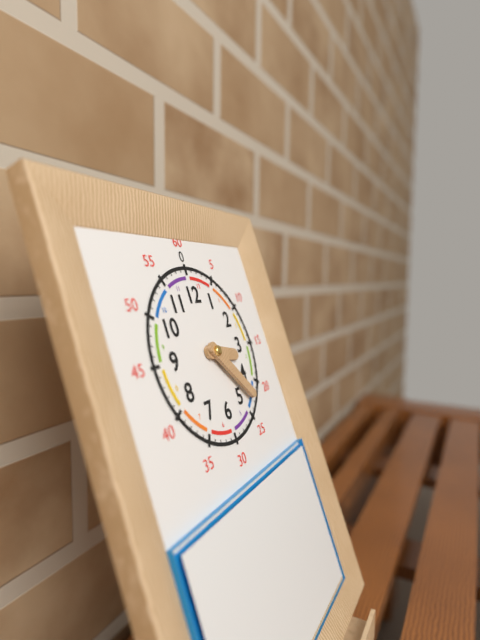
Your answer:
3:23
